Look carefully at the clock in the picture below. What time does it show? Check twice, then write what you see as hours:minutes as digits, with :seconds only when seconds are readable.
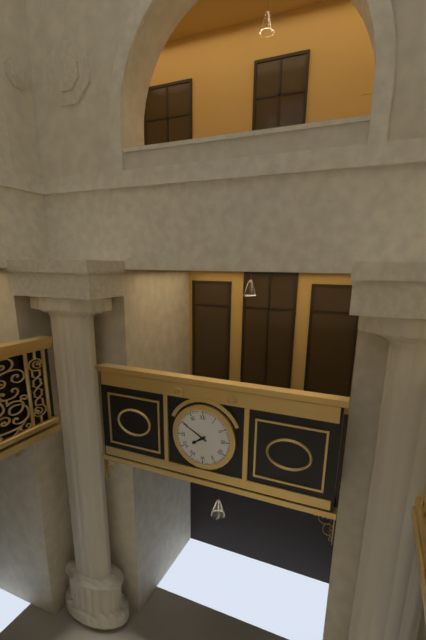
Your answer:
7:50
